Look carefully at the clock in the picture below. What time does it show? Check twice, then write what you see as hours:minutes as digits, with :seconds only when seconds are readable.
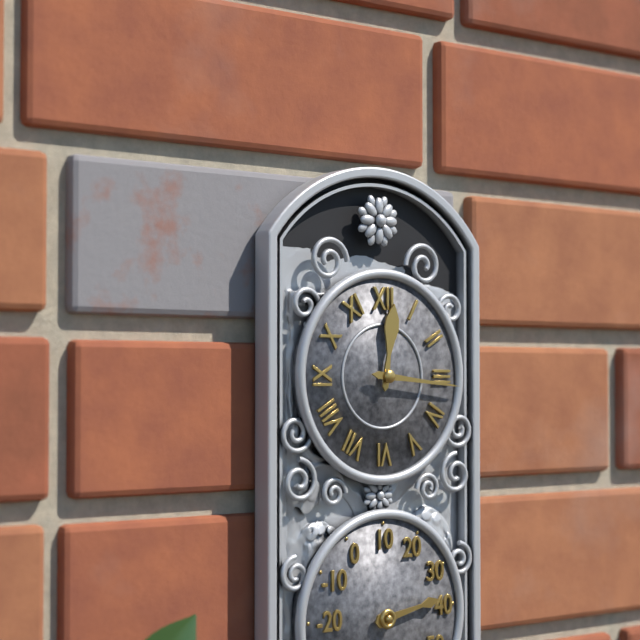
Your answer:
12:16
